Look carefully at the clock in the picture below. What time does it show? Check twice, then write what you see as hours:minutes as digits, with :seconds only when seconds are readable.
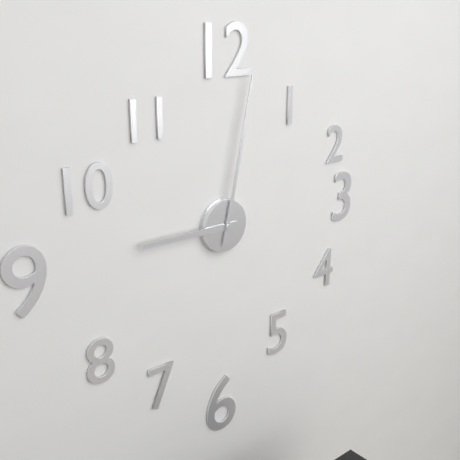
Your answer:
9:02
